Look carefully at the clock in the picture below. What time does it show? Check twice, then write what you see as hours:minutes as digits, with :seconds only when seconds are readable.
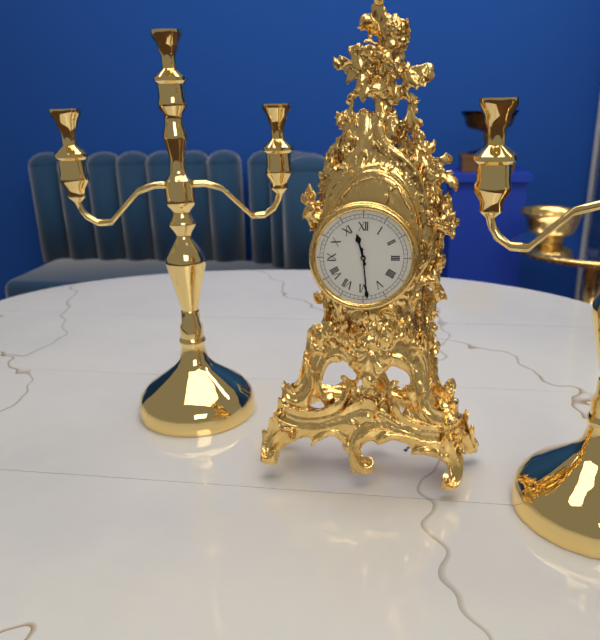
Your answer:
11:29
